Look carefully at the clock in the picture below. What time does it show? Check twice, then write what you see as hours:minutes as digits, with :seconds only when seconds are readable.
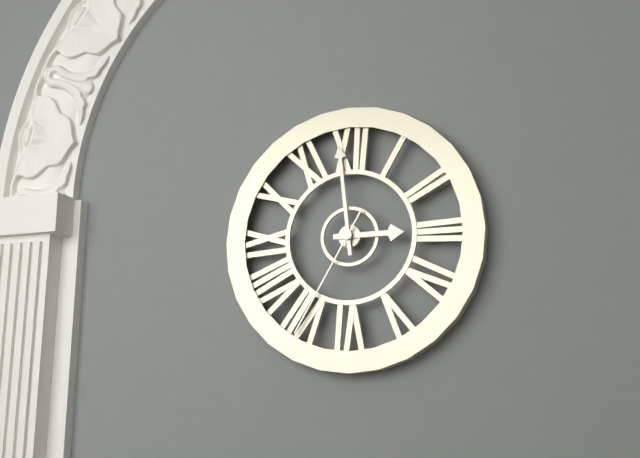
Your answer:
2:59:35
